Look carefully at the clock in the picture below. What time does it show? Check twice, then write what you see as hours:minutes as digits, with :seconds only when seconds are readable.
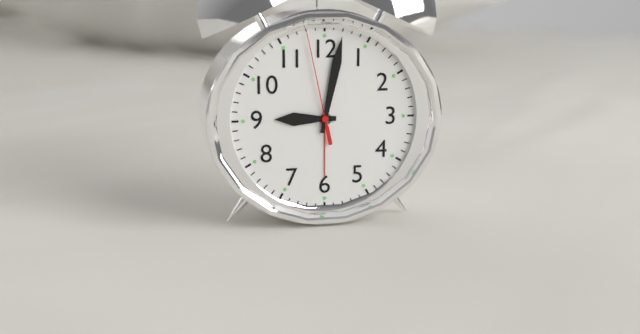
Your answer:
9:02:58
